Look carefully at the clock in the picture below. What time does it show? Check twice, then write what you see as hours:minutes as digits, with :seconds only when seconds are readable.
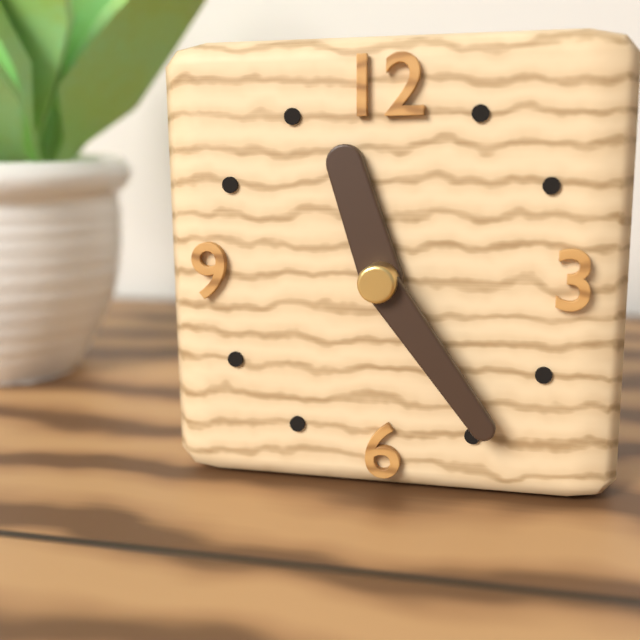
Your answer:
11:24
